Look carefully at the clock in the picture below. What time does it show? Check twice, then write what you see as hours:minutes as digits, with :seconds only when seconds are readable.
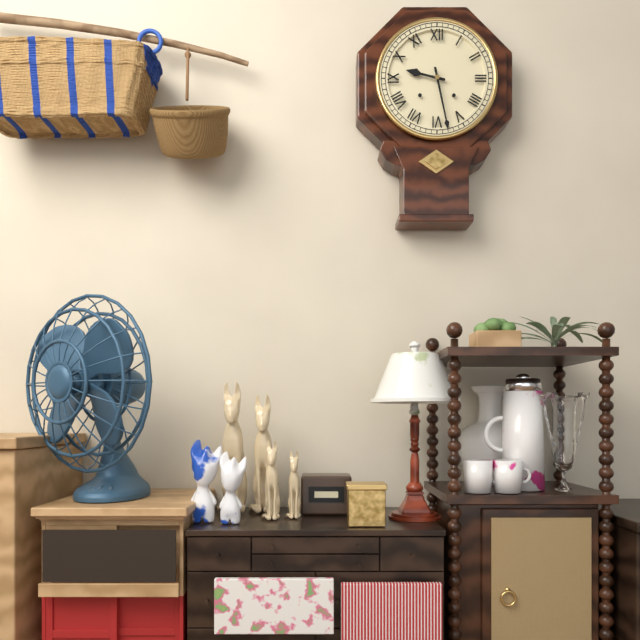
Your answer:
9:28
